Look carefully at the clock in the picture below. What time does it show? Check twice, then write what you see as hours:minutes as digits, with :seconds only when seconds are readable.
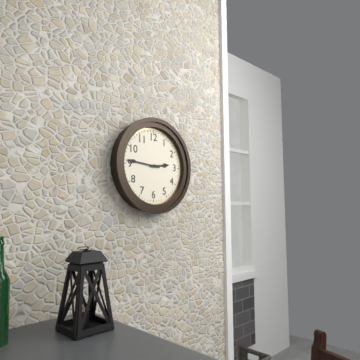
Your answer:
2:46
